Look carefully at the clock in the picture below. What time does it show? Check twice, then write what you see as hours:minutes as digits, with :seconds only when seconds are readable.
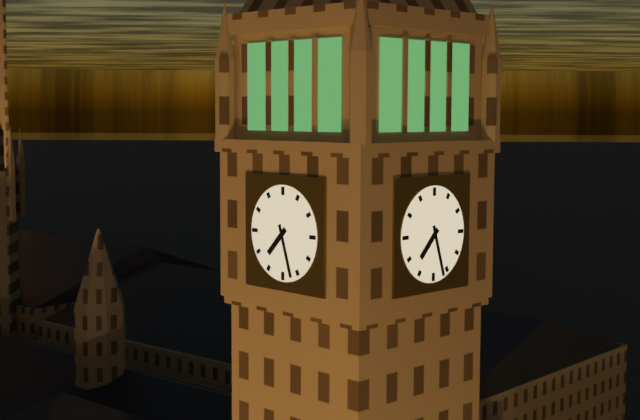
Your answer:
7:27
